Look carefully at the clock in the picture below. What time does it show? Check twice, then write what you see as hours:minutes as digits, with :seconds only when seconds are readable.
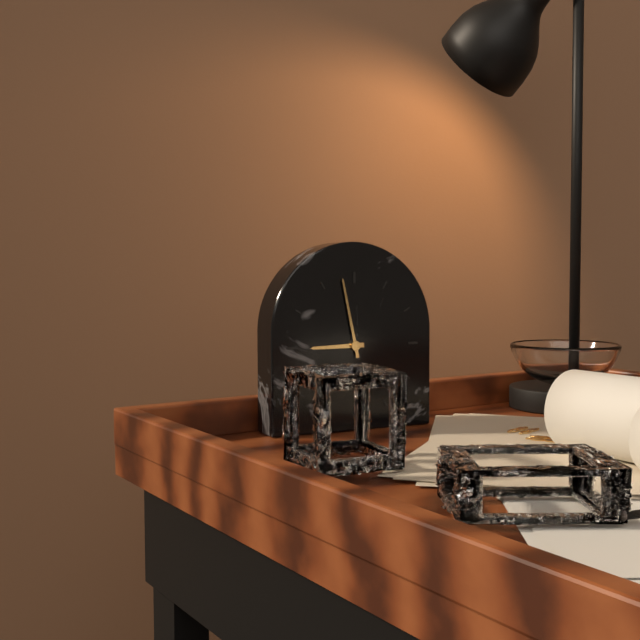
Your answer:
8:58
